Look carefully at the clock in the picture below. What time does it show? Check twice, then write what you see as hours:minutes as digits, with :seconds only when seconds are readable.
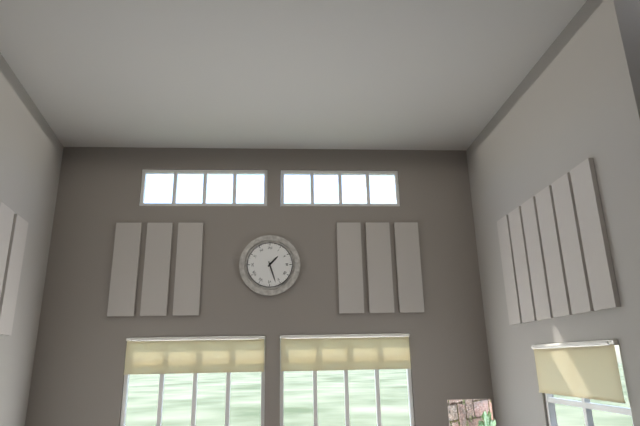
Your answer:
1:27
